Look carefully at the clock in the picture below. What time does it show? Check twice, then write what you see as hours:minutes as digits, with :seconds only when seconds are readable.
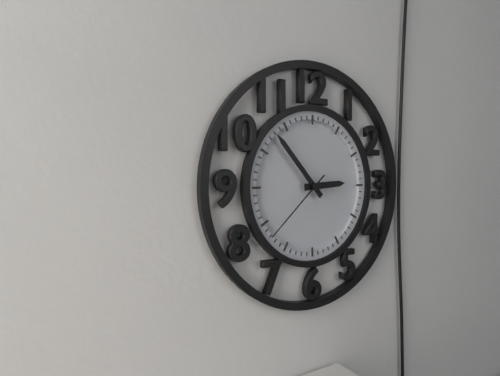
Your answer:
2:53:38
